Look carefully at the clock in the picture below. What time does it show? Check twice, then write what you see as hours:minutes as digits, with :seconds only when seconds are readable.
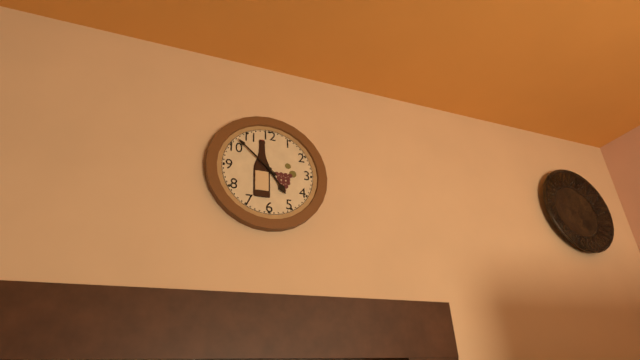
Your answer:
4:52
